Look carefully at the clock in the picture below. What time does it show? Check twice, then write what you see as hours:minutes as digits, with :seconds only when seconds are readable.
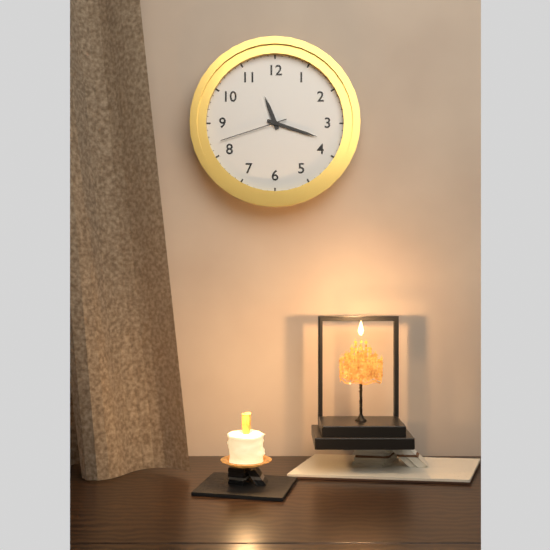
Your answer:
11:18:42
